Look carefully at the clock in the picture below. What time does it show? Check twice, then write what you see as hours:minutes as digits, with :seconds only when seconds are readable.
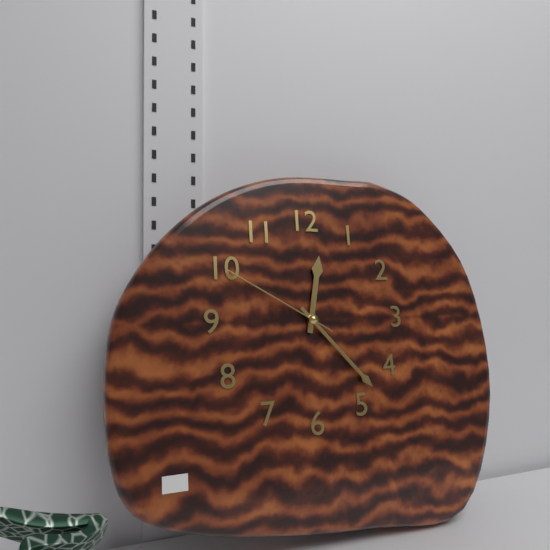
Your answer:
12:23:50
